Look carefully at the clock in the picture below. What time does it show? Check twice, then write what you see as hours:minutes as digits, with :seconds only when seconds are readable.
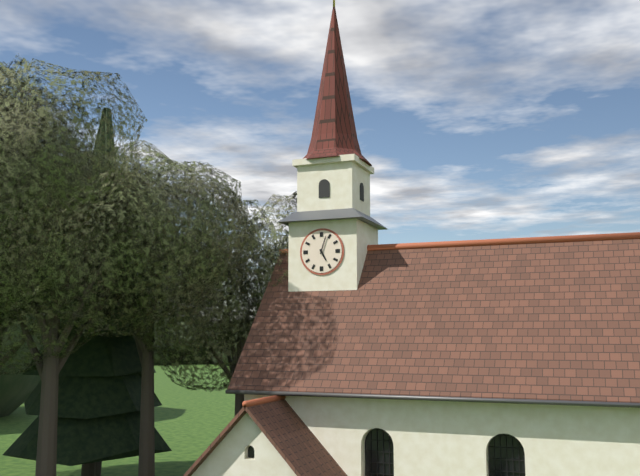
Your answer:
5:03
